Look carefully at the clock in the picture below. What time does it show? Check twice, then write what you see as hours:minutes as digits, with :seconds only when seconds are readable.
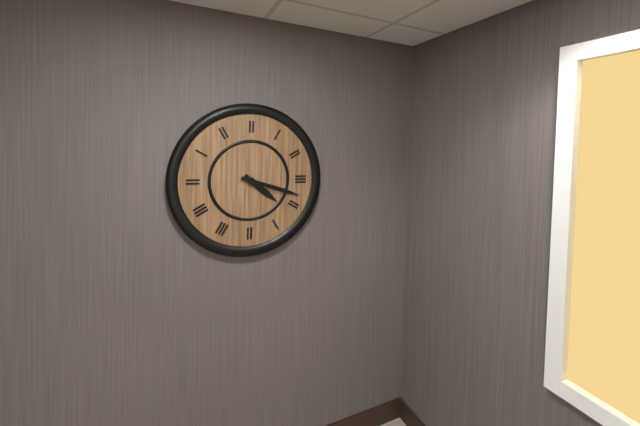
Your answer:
4:18
